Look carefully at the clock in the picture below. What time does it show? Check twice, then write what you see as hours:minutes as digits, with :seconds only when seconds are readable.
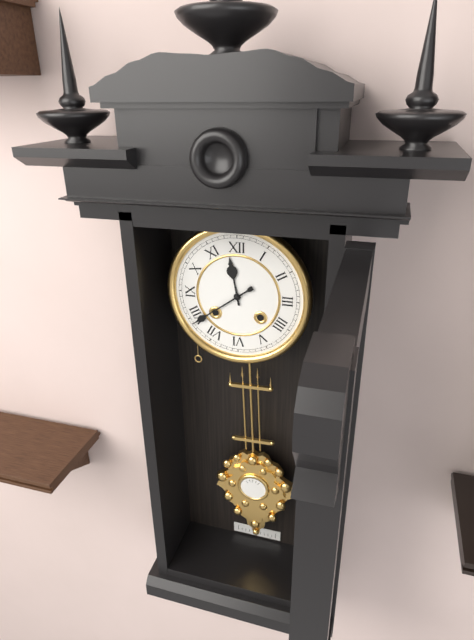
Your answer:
11:39
